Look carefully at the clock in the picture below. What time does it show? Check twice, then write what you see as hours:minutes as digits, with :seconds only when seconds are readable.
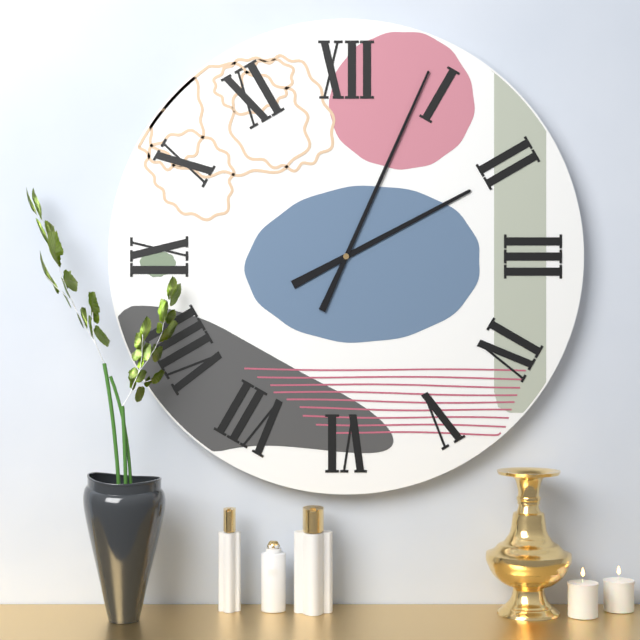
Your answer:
2:04
